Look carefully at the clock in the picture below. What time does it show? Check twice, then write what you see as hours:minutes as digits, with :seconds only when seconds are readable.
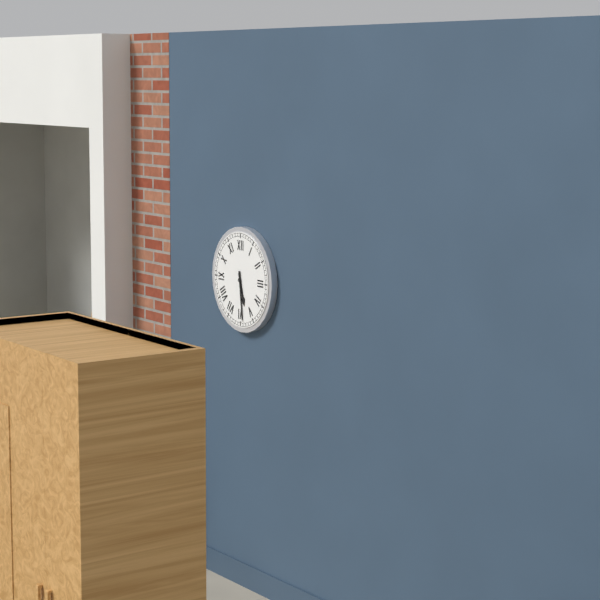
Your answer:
5:29
